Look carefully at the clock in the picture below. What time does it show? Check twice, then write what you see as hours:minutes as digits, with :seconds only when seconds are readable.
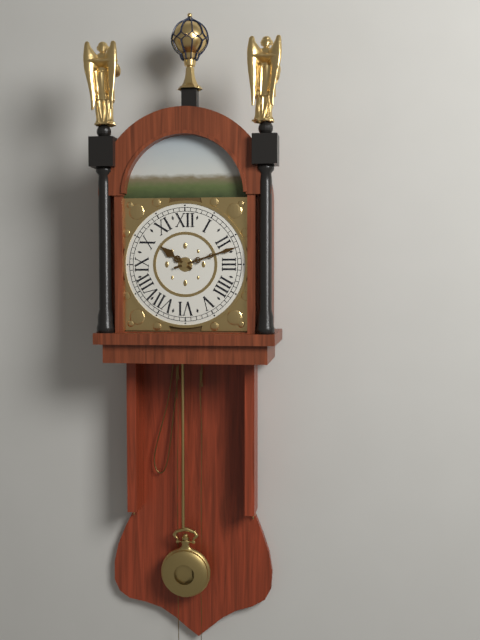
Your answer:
10:12
